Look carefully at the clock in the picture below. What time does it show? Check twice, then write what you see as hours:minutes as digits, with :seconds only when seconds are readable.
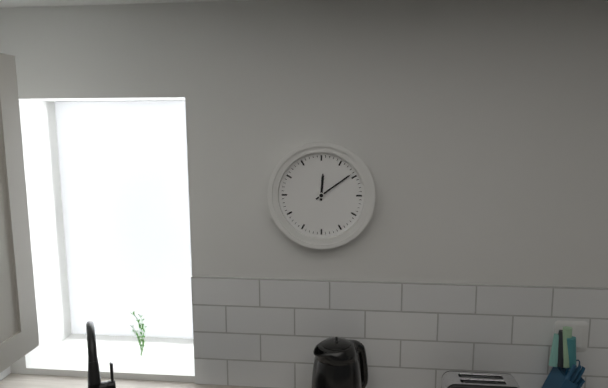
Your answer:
12:09
